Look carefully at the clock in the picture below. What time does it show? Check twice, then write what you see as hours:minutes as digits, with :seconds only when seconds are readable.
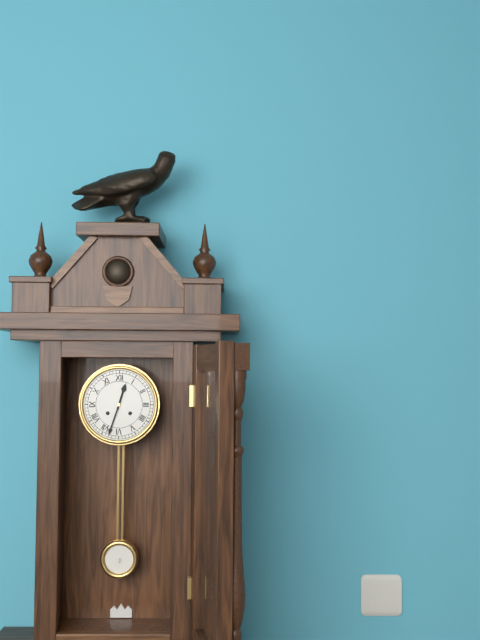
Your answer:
12:33
